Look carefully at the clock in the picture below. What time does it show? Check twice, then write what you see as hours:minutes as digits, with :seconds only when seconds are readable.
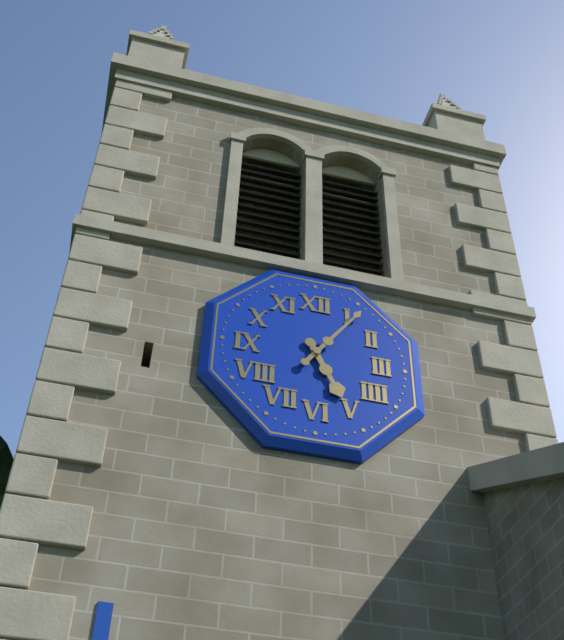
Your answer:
5:06
